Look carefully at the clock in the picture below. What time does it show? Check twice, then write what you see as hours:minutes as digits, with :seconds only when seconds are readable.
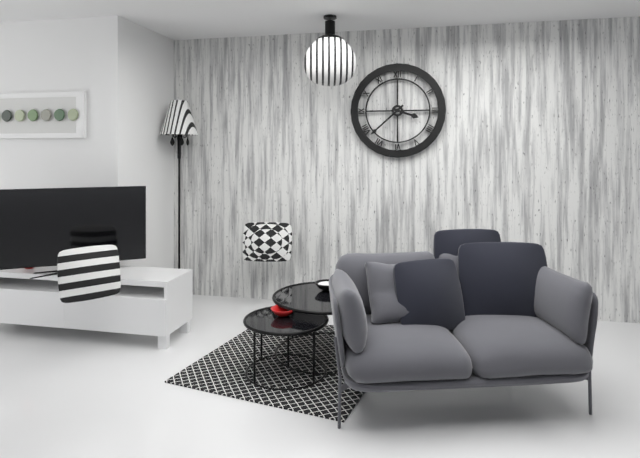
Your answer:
3:38
